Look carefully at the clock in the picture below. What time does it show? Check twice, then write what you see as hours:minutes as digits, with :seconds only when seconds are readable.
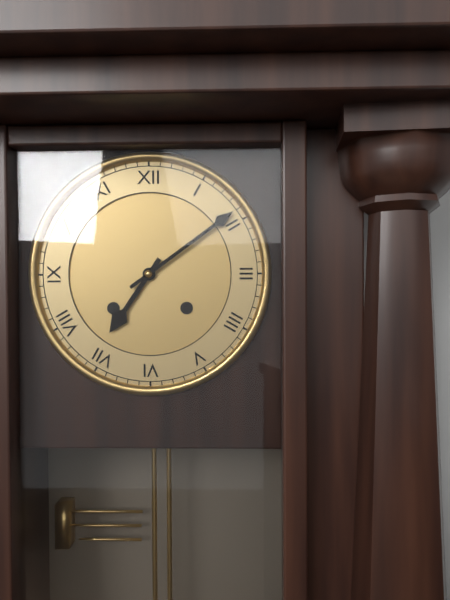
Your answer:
7:09
